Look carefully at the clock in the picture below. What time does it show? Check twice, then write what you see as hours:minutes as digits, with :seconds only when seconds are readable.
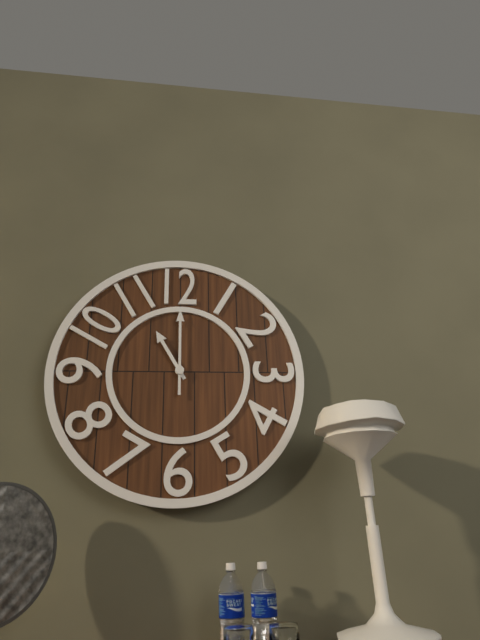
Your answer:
11:00
